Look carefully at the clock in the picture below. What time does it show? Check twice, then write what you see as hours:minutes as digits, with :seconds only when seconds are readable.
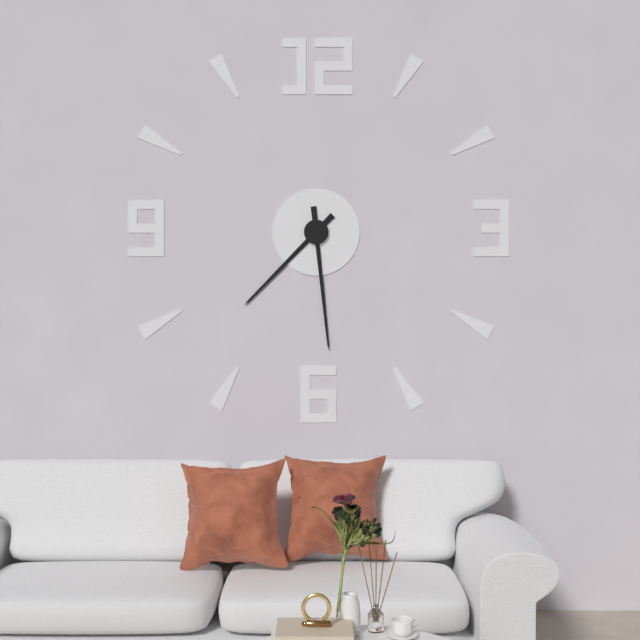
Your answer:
7:29
